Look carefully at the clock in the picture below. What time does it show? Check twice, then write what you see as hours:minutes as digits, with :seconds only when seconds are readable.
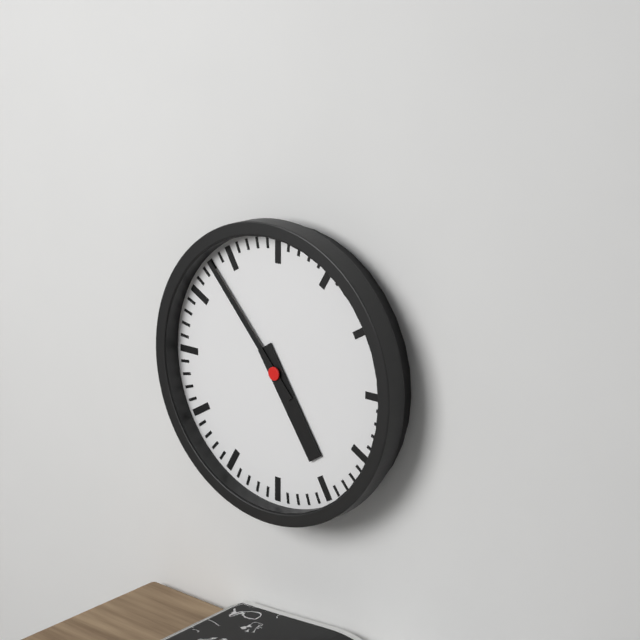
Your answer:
4:53
